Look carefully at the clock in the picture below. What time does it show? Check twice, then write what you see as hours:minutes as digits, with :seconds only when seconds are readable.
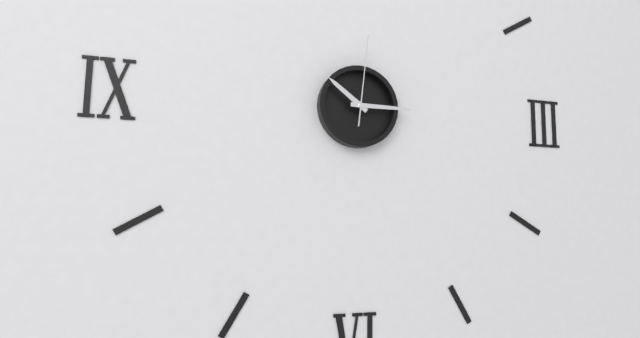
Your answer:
10:15:01
